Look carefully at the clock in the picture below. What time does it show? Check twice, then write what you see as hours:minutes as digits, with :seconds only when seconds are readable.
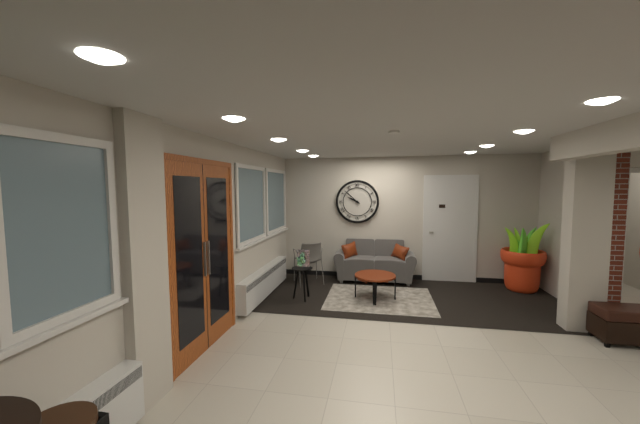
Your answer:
9:52
